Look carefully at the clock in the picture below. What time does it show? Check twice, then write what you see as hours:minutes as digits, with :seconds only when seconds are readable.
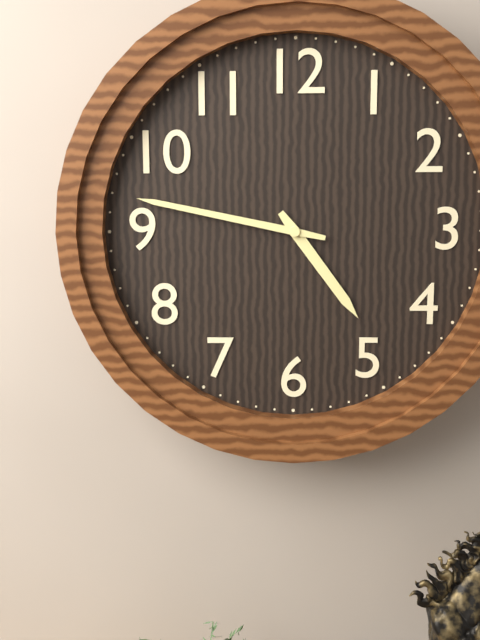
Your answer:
4:47
